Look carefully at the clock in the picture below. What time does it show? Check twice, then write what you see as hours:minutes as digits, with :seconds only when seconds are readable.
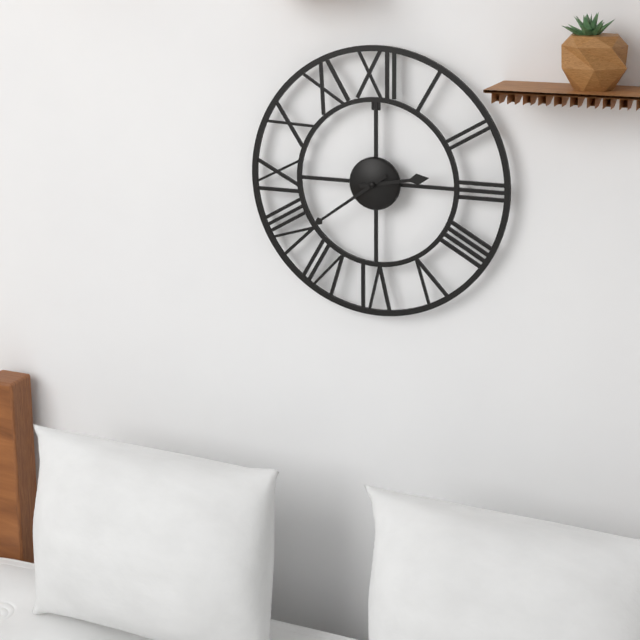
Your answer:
2:39
